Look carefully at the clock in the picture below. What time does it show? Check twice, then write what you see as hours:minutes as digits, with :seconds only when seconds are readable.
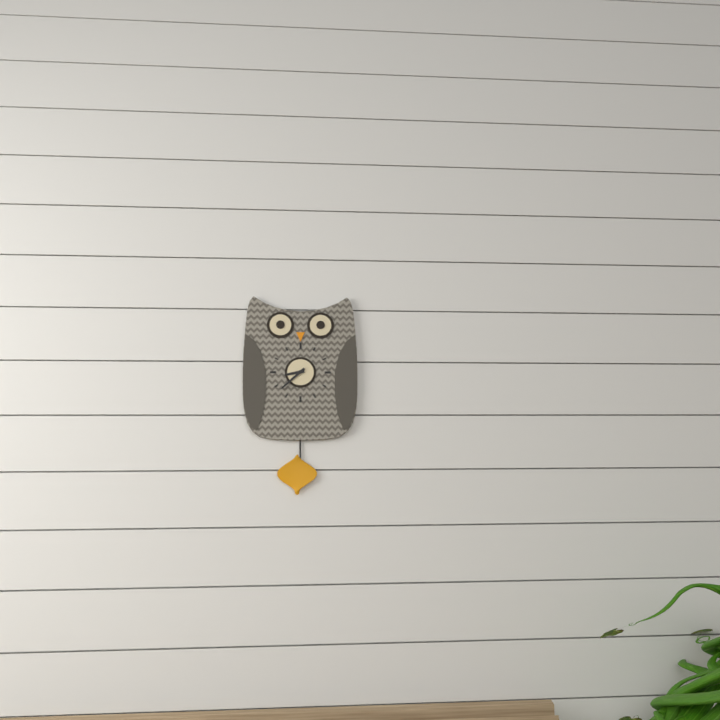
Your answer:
8:38
